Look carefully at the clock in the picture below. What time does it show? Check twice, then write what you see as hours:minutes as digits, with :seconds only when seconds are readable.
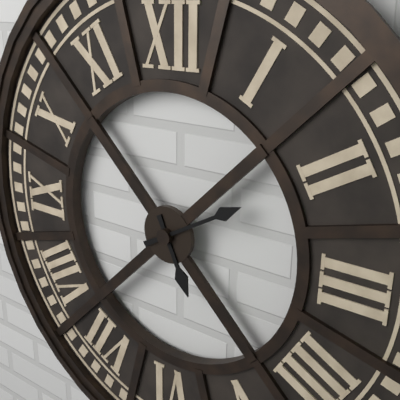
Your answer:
5:10
